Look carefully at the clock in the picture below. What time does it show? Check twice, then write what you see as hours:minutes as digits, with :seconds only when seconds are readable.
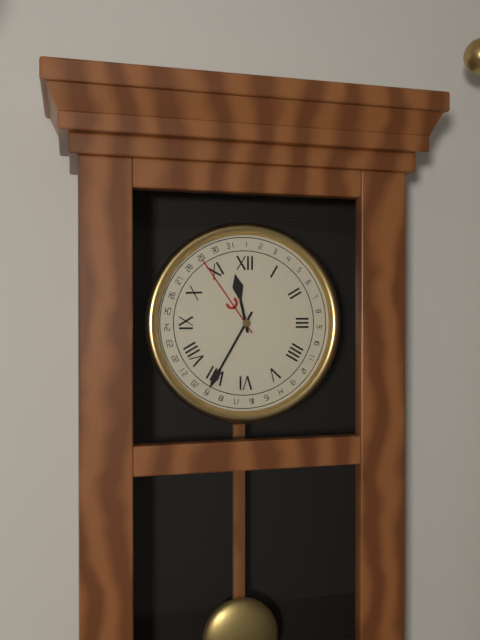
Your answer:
11:35
